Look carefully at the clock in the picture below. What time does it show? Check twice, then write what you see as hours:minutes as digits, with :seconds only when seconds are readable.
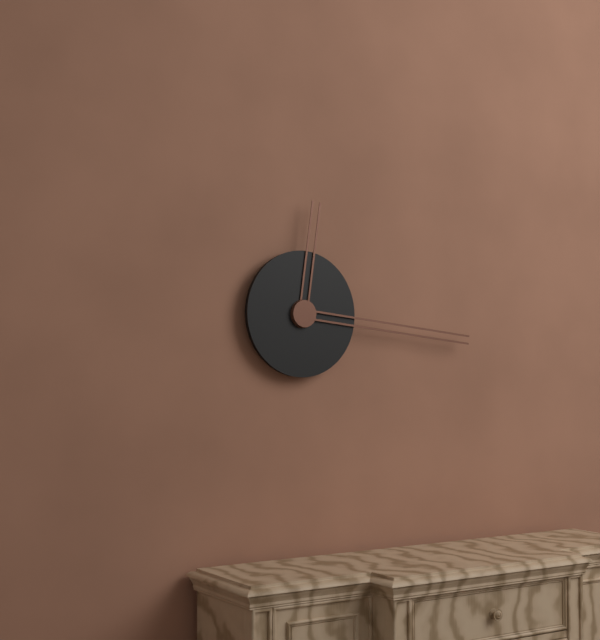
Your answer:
12:16
